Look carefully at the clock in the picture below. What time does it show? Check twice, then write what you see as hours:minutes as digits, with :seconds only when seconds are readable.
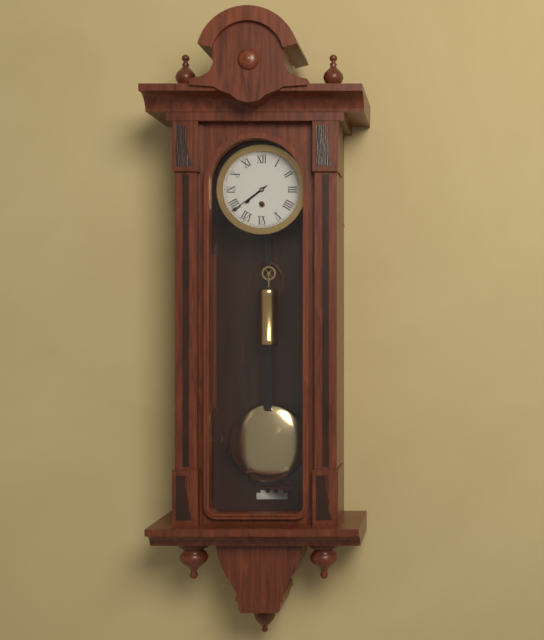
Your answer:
7:39
